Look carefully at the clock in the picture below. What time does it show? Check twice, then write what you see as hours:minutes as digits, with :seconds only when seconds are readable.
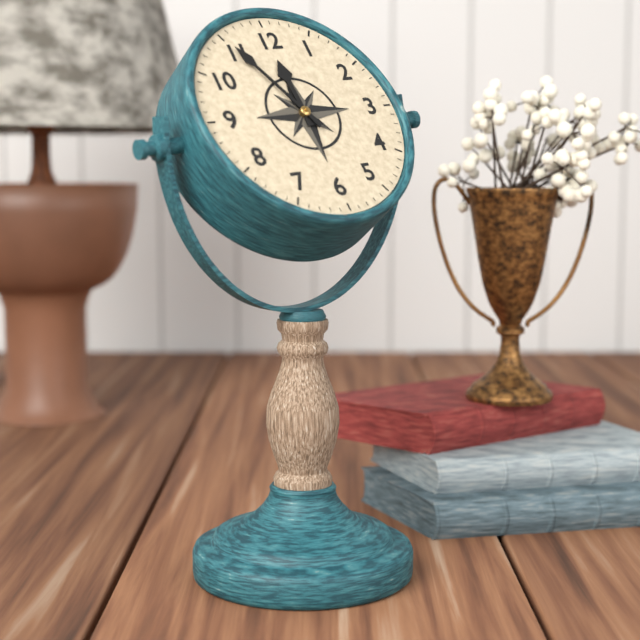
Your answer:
11:55
